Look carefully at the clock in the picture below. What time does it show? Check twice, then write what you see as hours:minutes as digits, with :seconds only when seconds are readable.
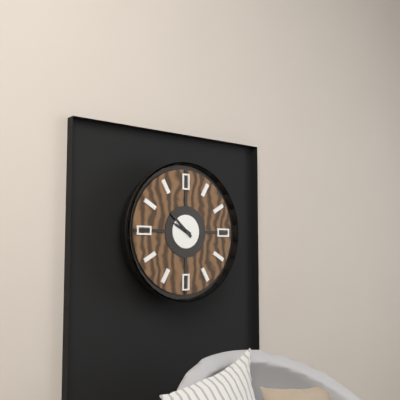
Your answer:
9:52
